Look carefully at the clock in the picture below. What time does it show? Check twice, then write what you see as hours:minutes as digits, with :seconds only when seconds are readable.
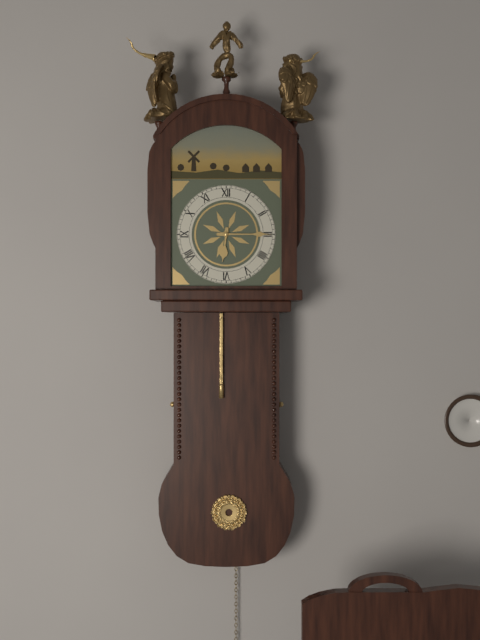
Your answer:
6:15
